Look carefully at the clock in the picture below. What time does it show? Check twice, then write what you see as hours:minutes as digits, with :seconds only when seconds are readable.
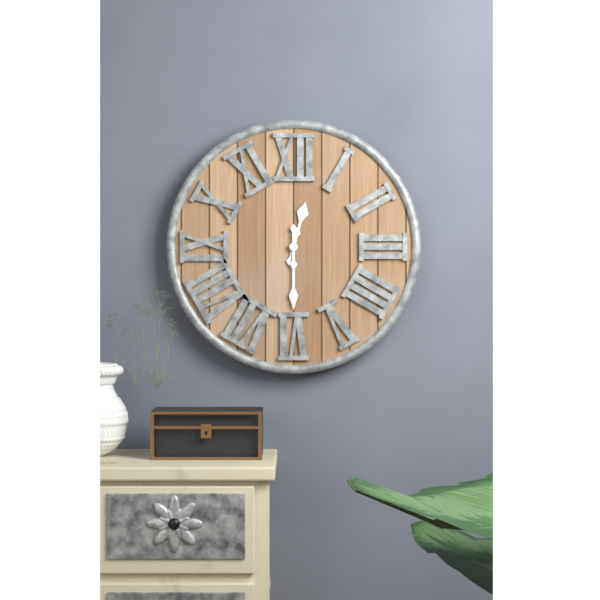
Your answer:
12:30
